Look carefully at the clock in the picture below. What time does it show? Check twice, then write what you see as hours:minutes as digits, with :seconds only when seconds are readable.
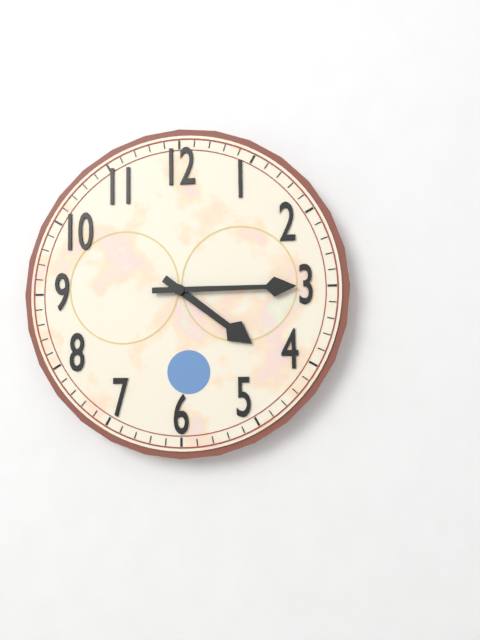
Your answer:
4:15
